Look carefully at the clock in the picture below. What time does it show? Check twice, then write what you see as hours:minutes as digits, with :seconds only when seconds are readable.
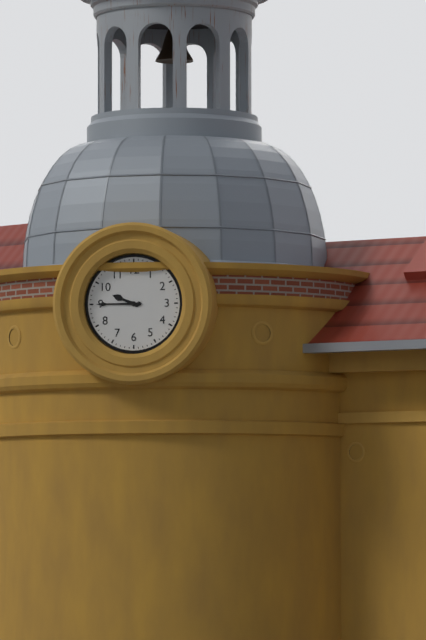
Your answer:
9:45
